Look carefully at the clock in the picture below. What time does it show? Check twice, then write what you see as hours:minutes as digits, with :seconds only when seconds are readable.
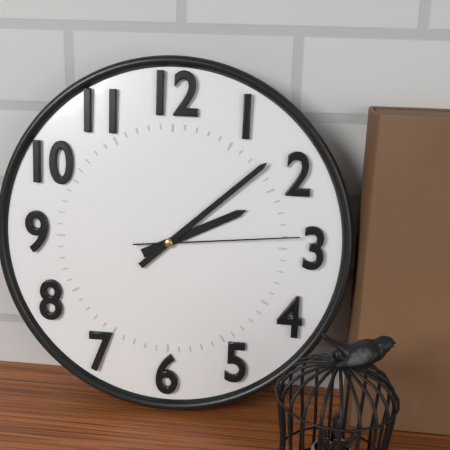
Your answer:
2:08:14
